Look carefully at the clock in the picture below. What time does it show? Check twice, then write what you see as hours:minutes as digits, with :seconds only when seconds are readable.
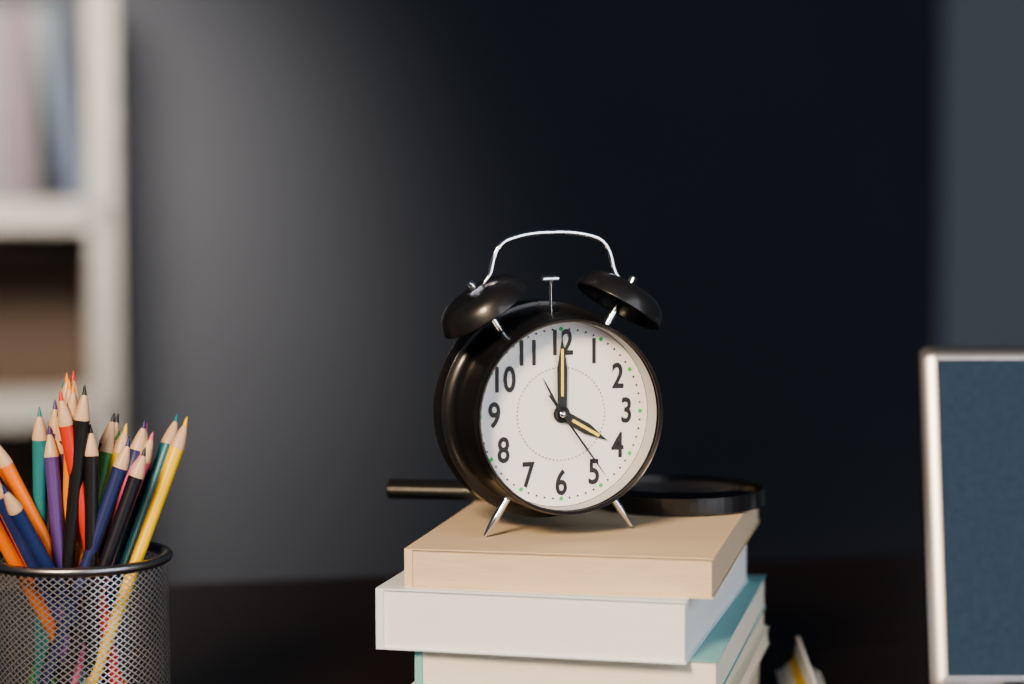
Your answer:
4:00:24
